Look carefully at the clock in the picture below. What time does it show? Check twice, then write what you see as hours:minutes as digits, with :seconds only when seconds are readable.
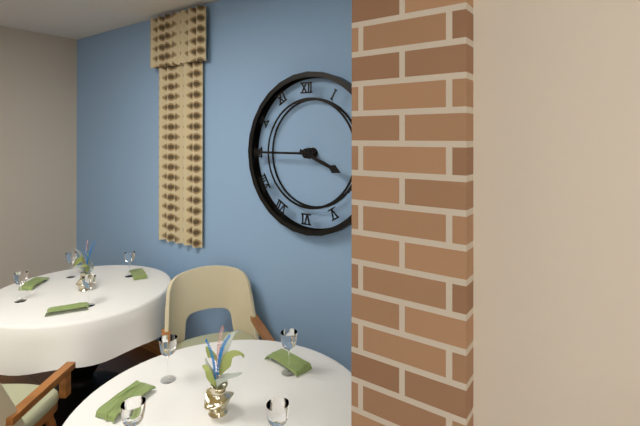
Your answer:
3:45
